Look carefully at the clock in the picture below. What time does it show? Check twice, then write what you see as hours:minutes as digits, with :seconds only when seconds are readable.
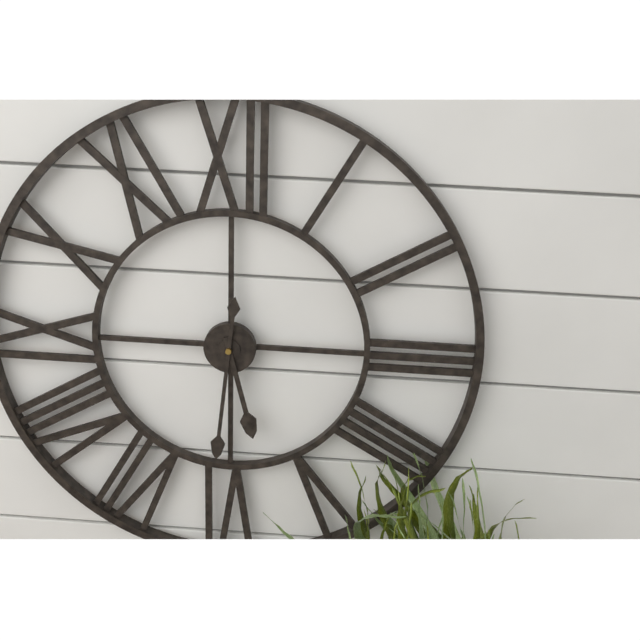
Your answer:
5:31
